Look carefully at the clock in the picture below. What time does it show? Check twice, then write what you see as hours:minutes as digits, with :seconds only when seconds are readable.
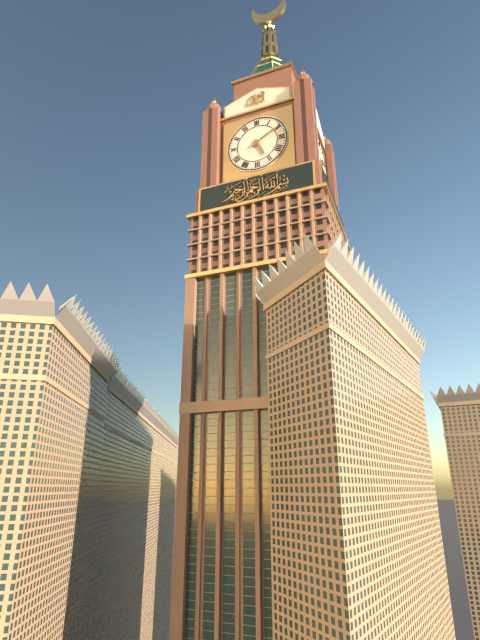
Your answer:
5:10
